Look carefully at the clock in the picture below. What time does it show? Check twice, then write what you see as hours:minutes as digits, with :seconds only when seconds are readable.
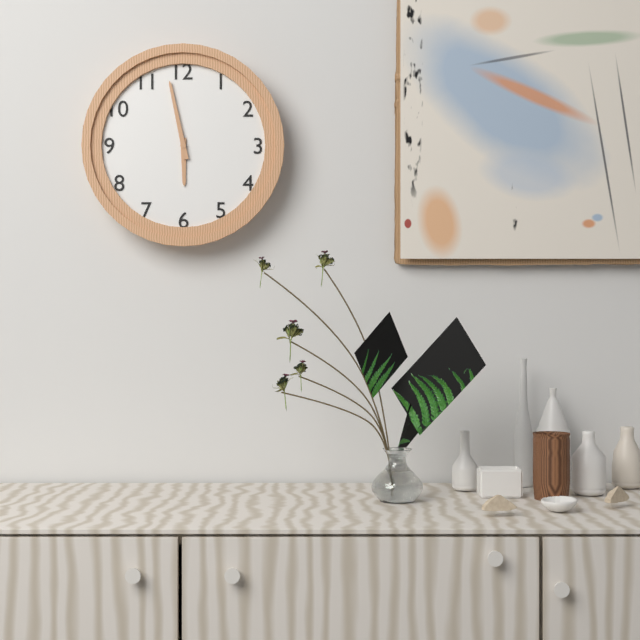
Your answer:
5:58
